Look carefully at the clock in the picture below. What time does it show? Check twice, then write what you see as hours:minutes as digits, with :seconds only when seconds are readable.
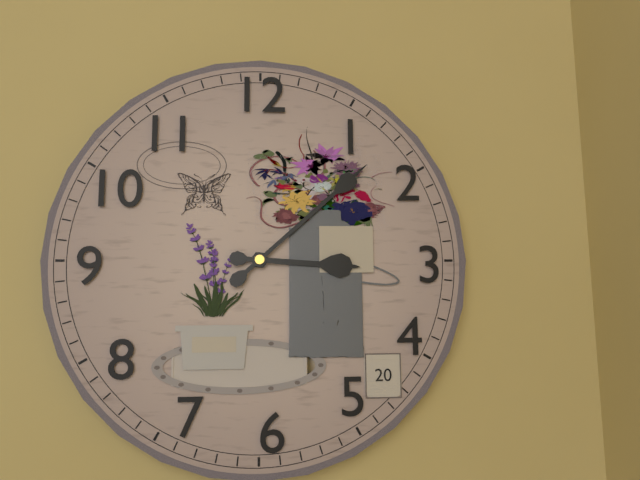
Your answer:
3:08
